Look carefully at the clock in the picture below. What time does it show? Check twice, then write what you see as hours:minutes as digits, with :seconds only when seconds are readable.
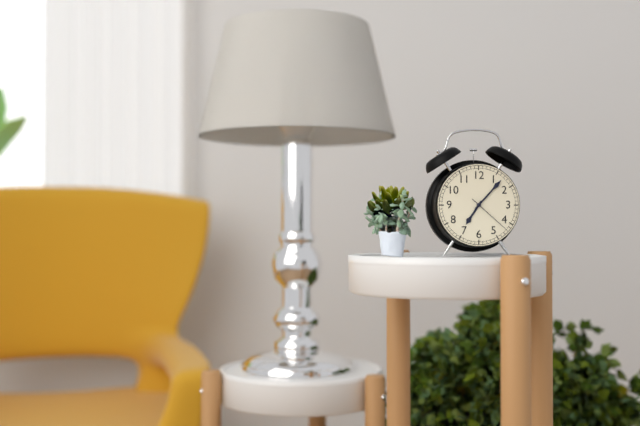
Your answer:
7:07
